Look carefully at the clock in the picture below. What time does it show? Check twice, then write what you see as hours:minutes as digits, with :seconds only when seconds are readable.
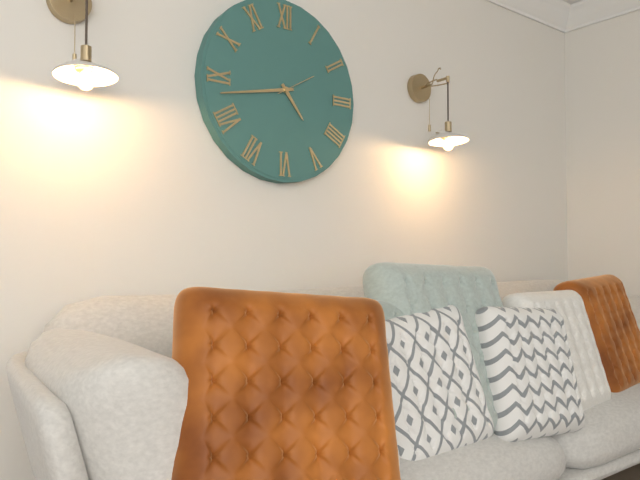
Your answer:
4:43:10
